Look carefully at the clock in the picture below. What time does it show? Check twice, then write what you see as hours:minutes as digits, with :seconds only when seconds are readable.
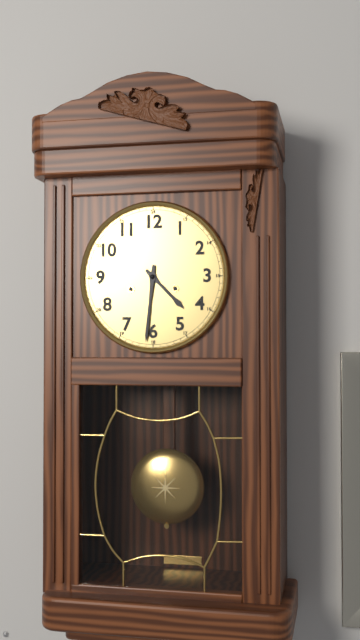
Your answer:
4:31
